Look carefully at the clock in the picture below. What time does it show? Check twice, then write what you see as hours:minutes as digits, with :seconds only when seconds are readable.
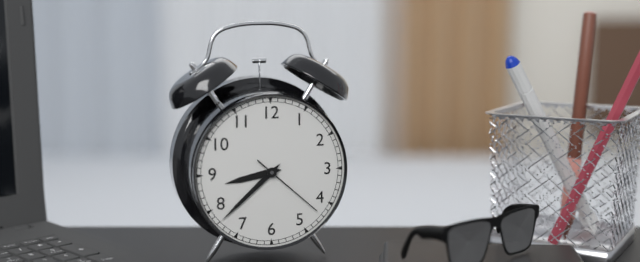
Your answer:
8:38:22
